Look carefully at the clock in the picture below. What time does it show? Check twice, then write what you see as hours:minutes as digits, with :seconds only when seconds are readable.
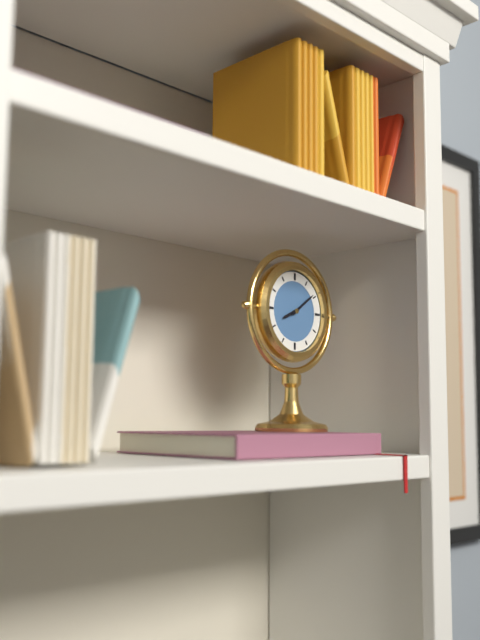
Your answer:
8:09
